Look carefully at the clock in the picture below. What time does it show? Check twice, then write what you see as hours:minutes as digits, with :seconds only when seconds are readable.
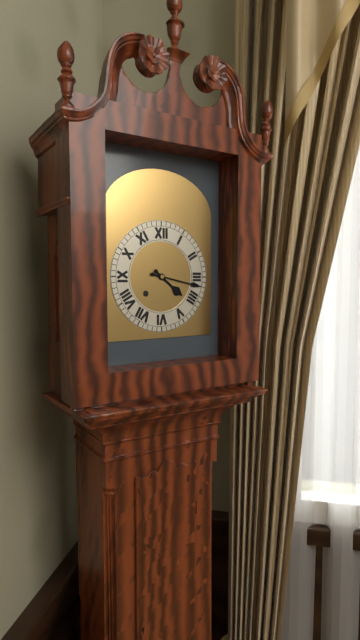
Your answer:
4:17
